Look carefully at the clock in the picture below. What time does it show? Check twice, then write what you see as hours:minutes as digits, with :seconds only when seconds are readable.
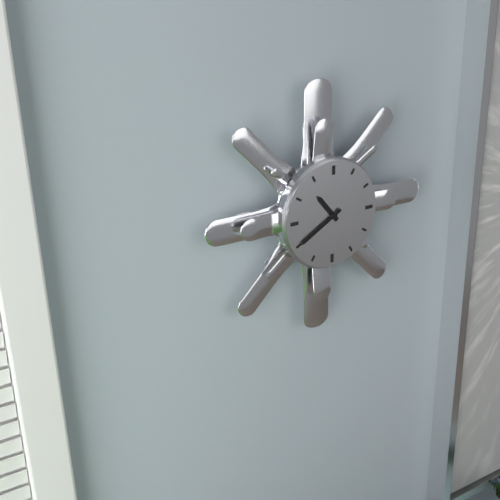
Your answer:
10:40
